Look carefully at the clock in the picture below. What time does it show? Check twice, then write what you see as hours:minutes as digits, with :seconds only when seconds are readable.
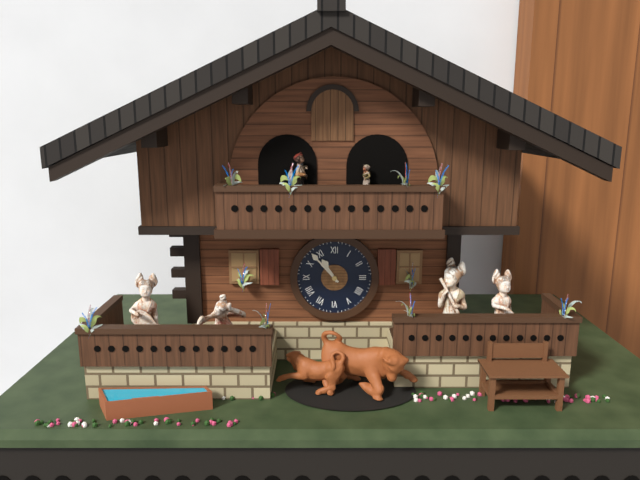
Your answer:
10:53
